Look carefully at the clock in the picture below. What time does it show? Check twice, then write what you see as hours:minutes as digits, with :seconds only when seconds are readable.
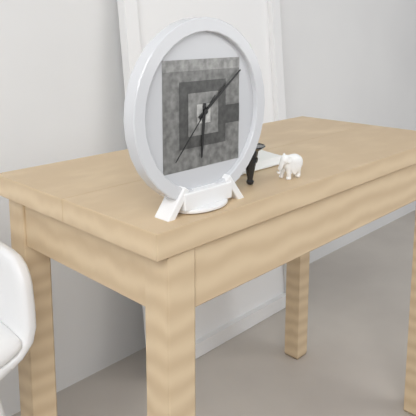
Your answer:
6:09:37
